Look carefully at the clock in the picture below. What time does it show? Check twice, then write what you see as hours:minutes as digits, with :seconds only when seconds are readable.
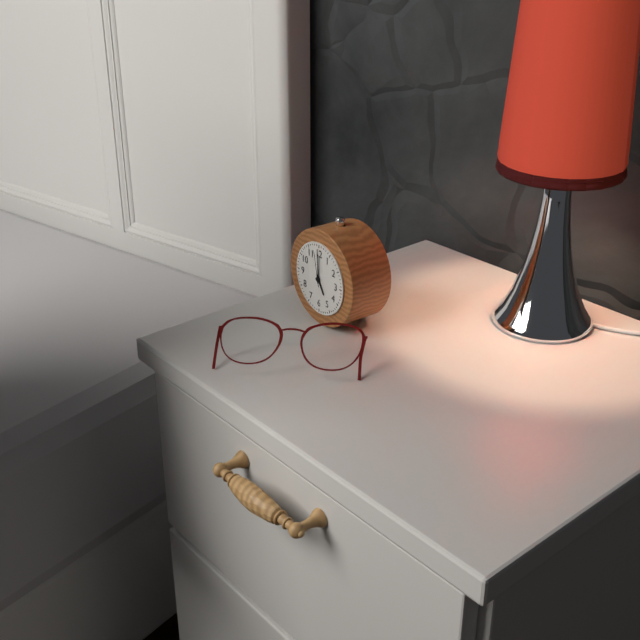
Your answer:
5:00
